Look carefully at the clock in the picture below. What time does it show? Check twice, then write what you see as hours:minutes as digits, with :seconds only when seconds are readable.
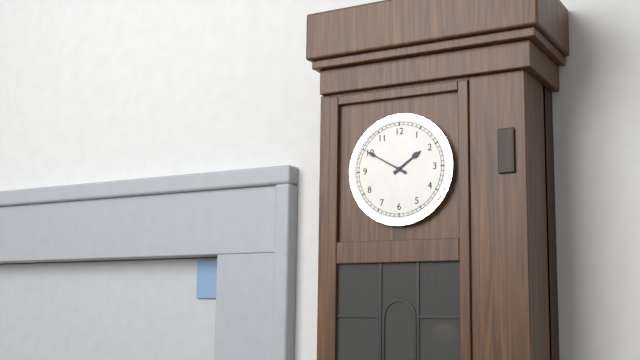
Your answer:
1:50
